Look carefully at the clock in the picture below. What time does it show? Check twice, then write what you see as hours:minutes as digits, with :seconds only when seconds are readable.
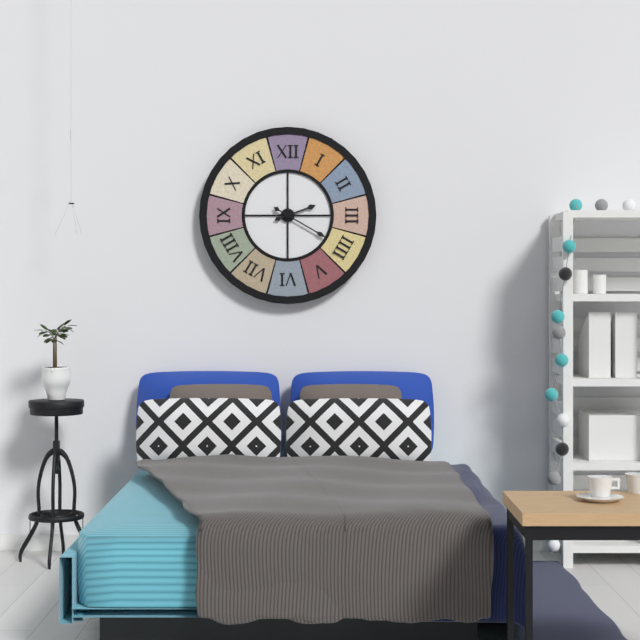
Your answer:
2:20
